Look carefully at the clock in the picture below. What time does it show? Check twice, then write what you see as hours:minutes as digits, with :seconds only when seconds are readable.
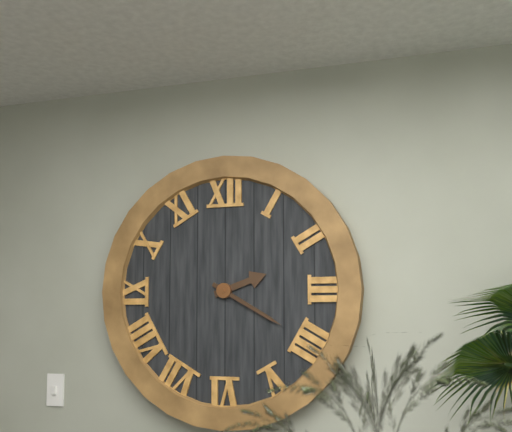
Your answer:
2:20
